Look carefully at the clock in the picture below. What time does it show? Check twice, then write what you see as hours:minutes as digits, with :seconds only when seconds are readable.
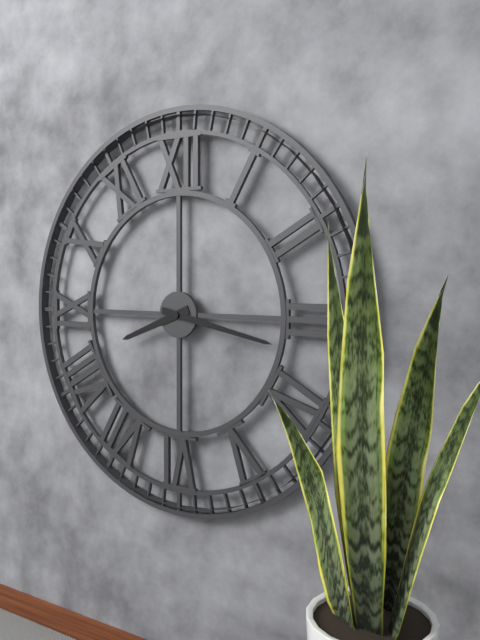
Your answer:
8:17
